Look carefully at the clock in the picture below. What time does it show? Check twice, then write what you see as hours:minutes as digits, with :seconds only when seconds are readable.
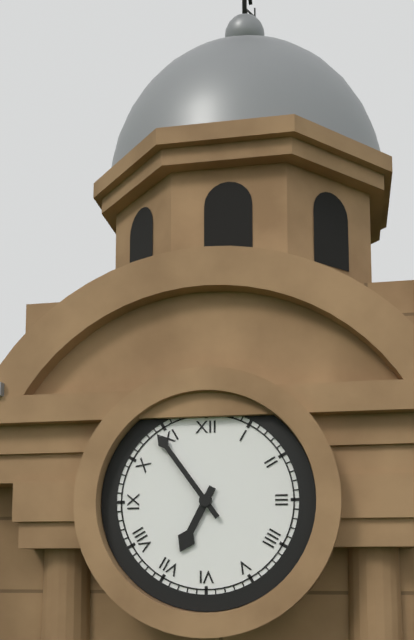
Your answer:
6:54
